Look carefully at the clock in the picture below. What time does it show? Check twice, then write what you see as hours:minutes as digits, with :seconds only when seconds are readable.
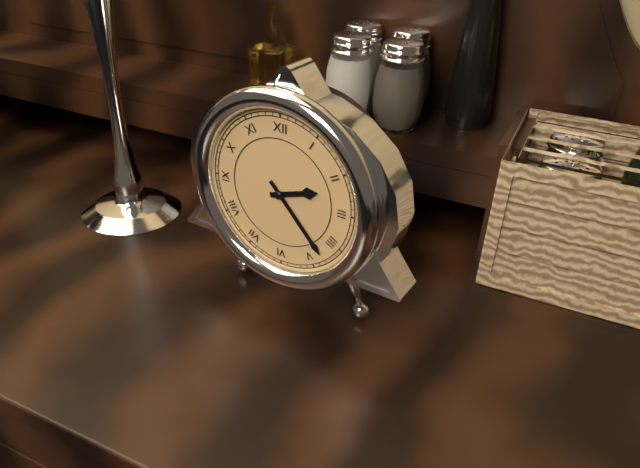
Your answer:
2:23
